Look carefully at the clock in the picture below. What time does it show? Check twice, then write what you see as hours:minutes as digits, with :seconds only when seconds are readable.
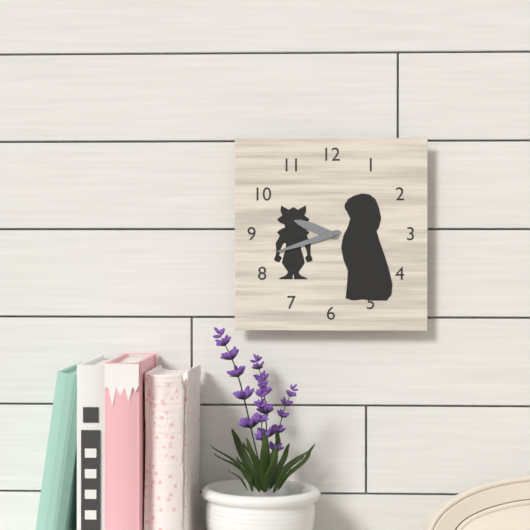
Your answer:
9:42
